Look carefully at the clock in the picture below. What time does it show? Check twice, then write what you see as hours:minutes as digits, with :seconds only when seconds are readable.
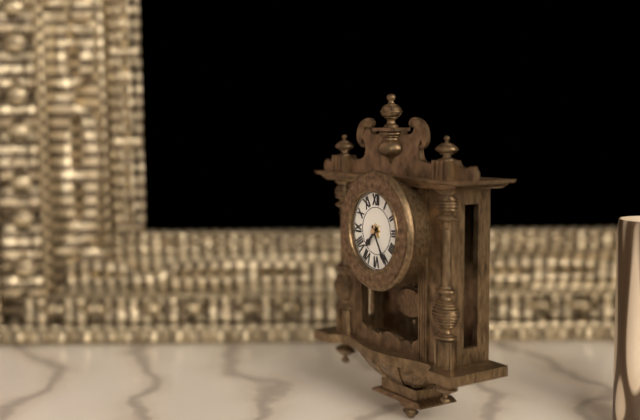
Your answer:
7:25
